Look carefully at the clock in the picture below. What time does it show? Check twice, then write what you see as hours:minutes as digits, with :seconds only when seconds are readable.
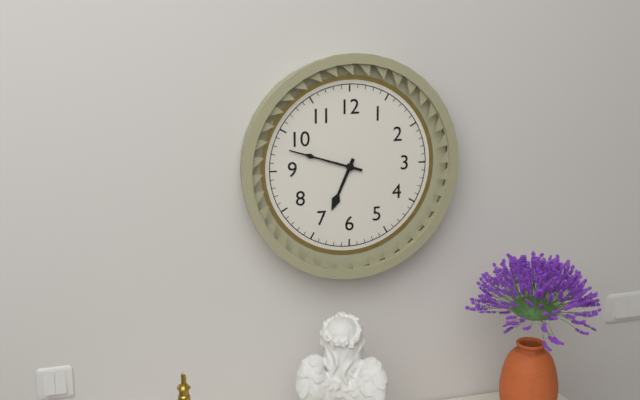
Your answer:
6:48
